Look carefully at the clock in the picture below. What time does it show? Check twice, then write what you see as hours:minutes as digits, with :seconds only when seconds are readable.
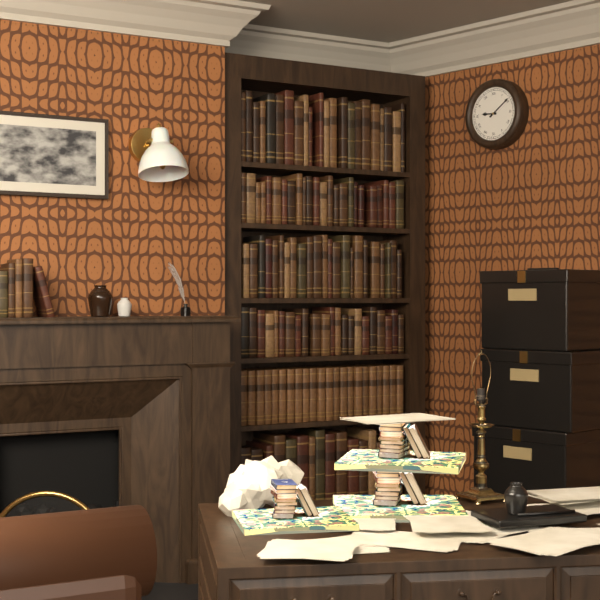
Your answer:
9:09
